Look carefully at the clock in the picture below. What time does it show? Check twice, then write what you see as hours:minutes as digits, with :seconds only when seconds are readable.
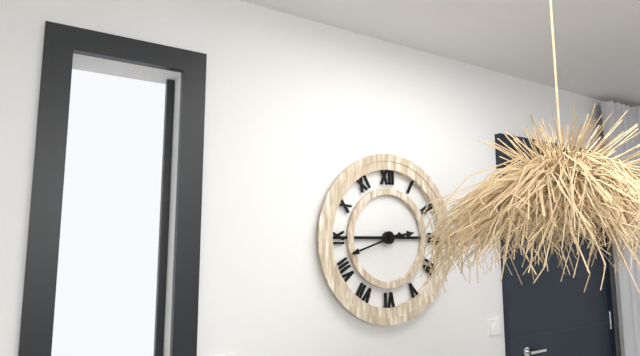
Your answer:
2:42
